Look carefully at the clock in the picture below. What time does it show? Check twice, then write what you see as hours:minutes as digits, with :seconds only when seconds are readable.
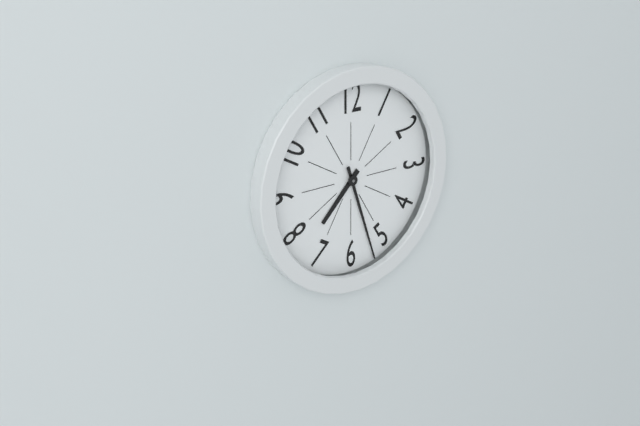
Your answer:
7:27
